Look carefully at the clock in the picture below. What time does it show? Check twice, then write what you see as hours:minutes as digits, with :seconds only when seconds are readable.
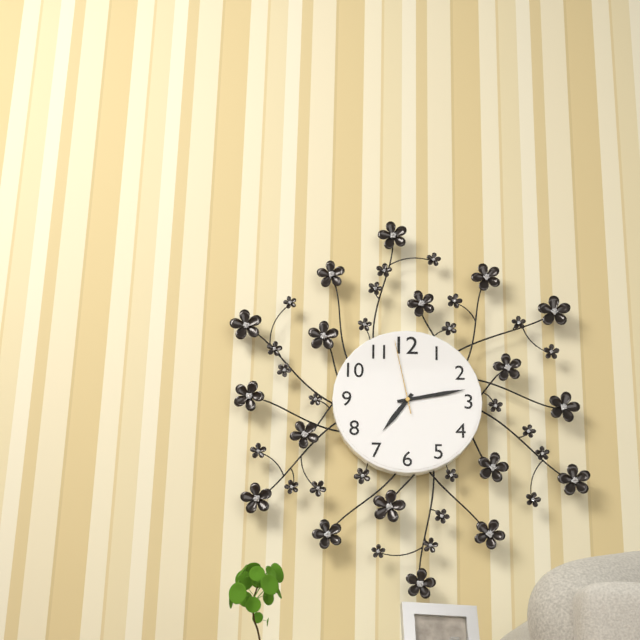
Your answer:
7:13:58
